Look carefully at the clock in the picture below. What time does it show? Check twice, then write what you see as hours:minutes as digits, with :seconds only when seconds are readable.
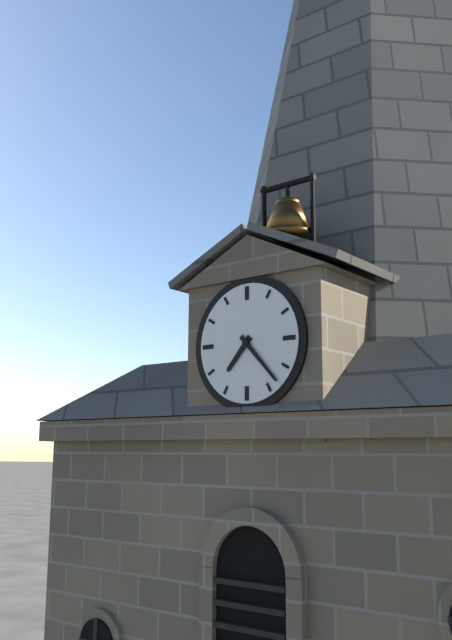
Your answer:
7:23
